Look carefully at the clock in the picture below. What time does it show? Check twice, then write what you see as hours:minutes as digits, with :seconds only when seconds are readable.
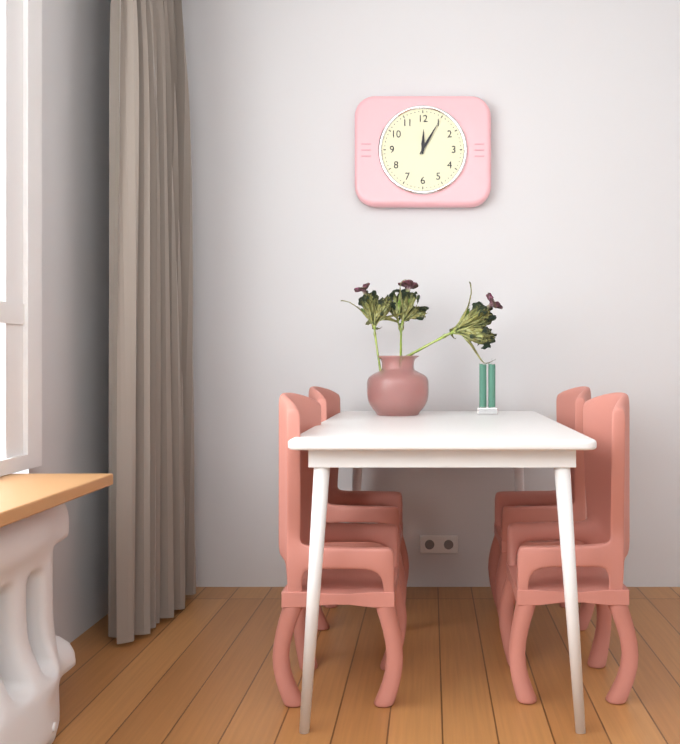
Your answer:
12:05
